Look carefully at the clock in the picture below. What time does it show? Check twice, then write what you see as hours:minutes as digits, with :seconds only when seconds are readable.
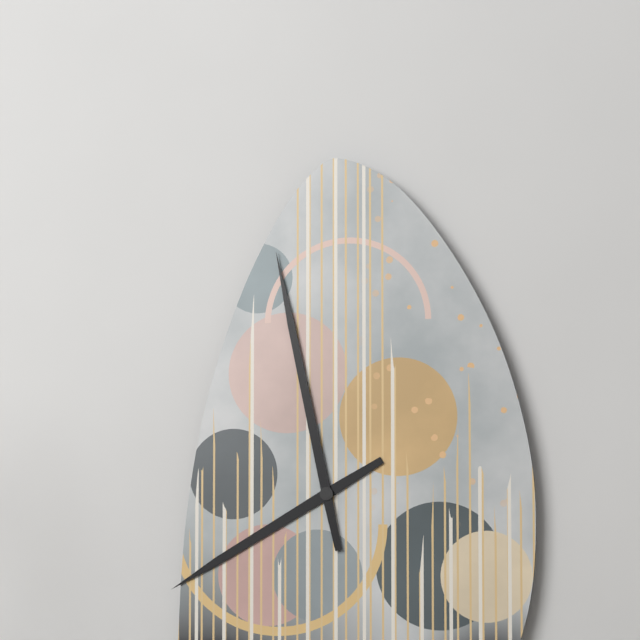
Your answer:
7:58
